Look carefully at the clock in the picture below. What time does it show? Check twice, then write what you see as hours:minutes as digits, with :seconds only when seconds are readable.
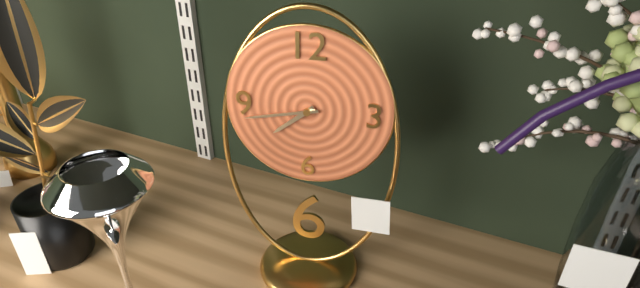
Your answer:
7:43
